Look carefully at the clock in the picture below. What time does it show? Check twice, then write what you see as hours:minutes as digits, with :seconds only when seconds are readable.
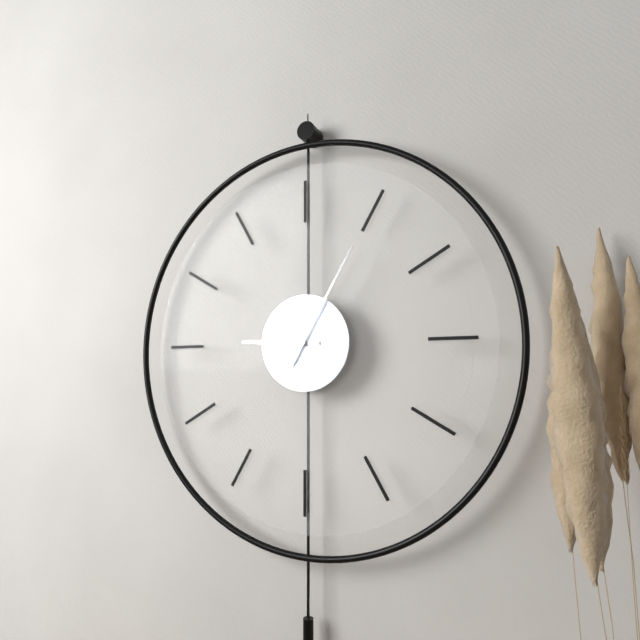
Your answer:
9:05
